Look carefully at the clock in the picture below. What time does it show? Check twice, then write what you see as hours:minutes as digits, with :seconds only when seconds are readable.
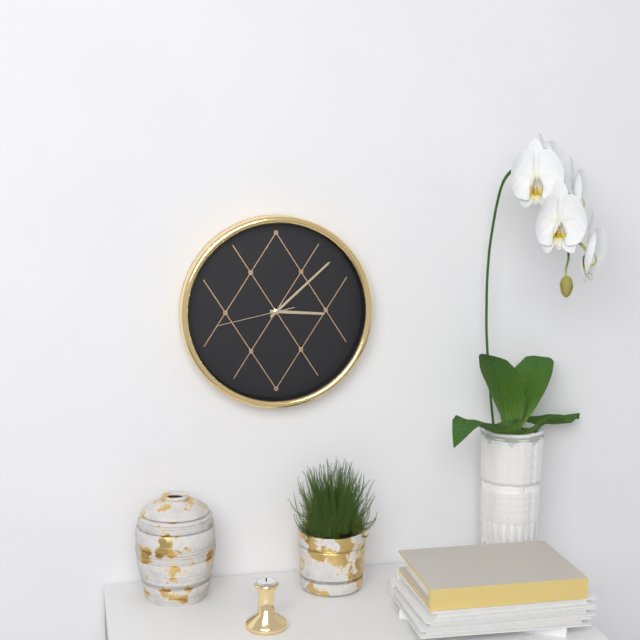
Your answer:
3:08:43
